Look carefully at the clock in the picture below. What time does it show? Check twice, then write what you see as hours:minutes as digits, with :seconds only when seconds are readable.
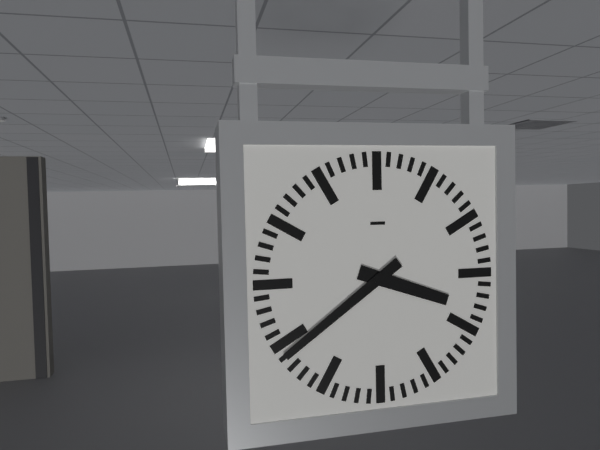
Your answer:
3:39
